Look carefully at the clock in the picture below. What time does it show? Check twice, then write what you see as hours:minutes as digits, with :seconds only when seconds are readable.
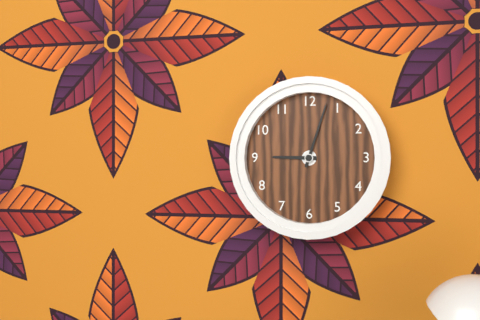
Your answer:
9:03
